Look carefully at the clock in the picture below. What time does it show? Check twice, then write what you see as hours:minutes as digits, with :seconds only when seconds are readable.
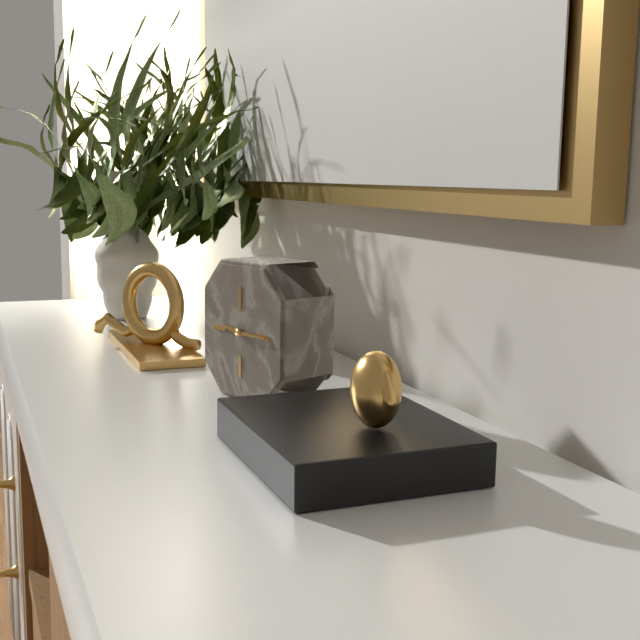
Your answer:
9:15
